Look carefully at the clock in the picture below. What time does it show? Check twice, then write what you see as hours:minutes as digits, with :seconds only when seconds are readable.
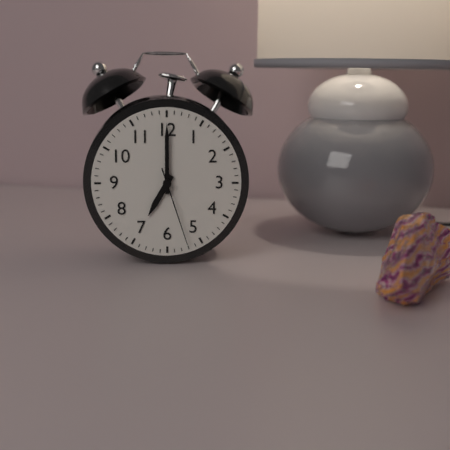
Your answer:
7:00:27
